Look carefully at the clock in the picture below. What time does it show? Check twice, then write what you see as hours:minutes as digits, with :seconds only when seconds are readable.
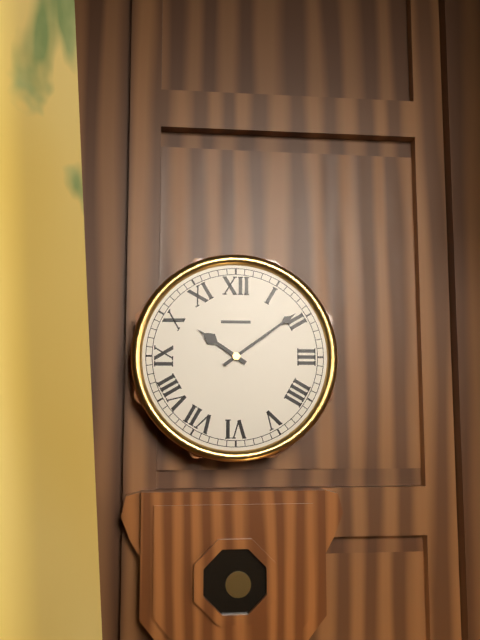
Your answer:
10:09
